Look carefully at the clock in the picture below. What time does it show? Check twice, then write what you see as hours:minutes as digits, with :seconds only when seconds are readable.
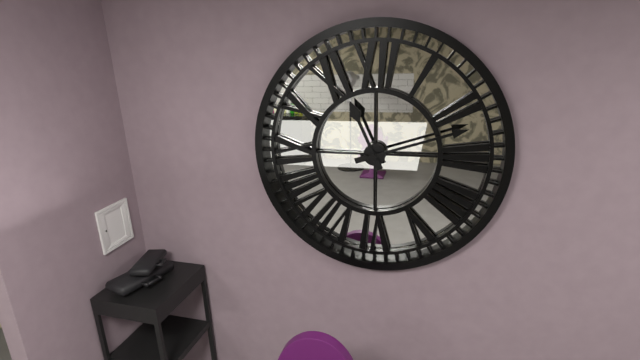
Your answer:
11:12
